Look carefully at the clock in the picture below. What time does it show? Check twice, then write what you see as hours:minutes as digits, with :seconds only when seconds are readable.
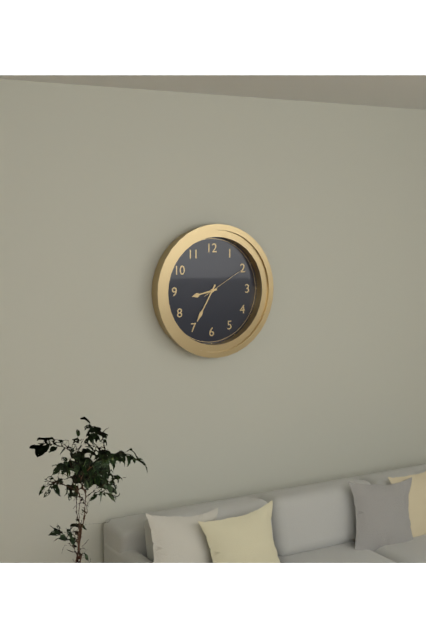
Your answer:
8:35
